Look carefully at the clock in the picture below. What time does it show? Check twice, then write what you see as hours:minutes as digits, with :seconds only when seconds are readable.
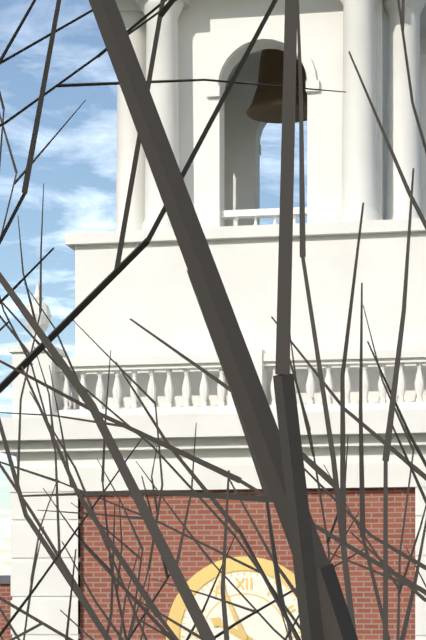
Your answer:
9:56
